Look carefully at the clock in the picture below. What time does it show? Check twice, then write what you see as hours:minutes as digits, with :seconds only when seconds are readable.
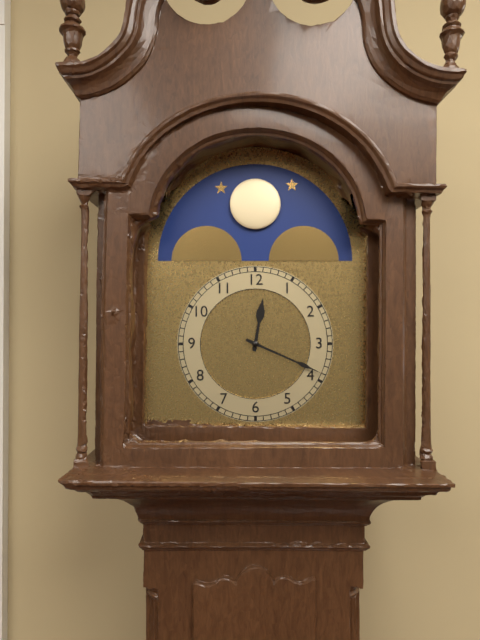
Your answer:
12:19
